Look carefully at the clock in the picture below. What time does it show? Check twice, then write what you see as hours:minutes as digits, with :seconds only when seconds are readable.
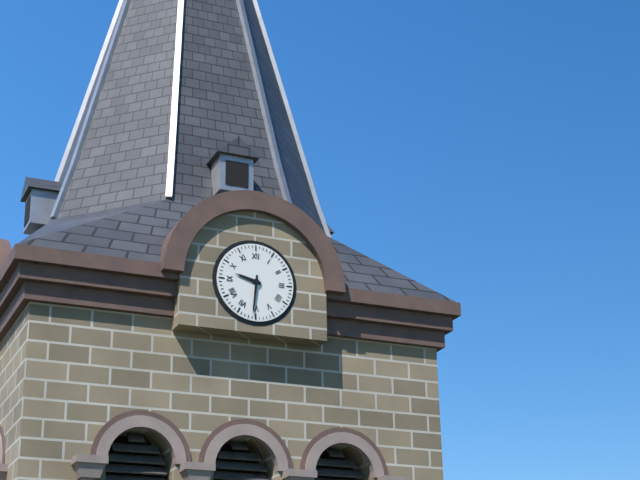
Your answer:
9:31
